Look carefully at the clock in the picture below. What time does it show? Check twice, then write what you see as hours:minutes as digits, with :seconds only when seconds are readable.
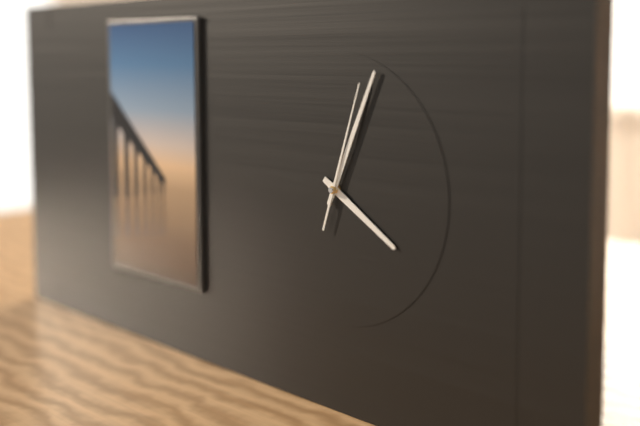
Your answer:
4:04:03
